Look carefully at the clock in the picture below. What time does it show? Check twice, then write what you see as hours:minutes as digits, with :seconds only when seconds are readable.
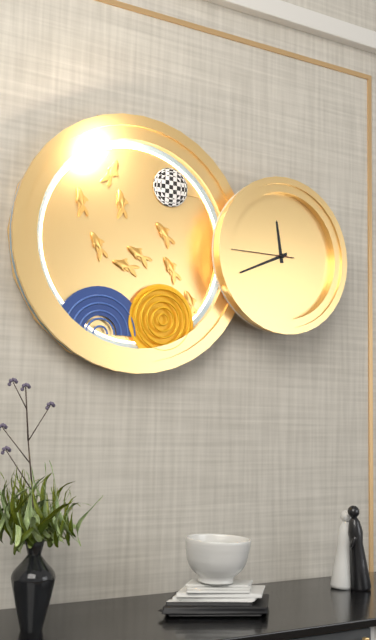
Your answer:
11:41:45
